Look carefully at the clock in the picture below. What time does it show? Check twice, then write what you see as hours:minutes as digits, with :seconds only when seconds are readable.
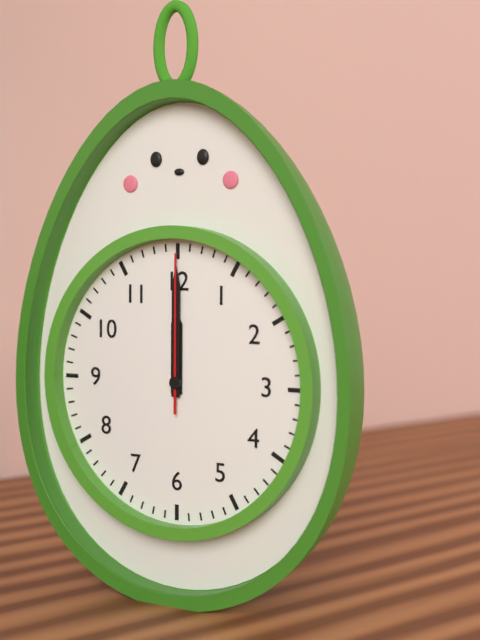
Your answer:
12:00:00
